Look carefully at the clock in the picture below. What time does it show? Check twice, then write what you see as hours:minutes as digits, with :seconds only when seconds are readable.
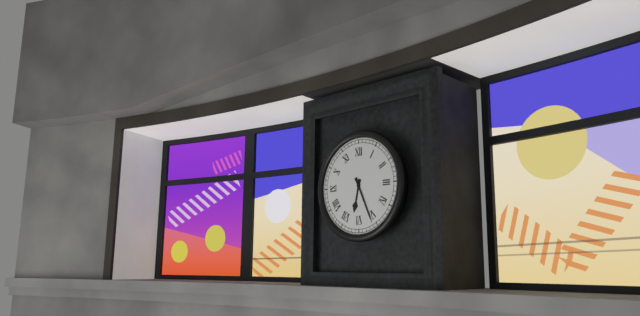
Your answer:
6:26
